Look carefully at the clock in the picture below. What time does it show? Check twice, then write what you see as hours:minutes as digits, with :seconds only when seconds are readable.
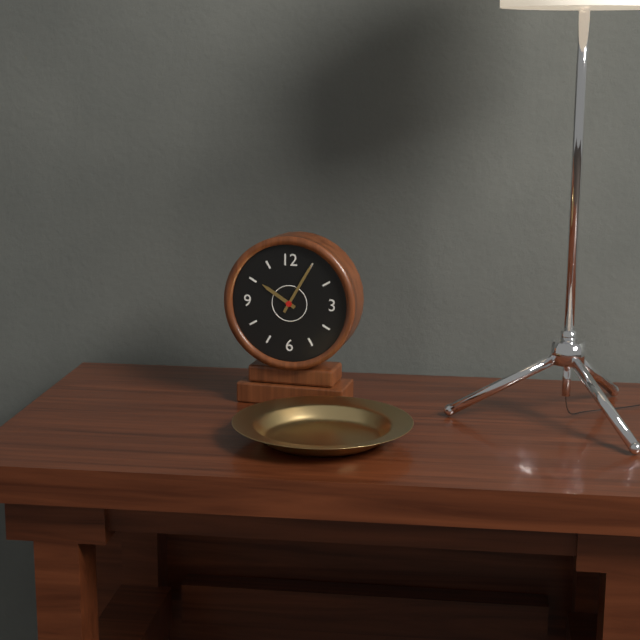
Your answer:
10:05
